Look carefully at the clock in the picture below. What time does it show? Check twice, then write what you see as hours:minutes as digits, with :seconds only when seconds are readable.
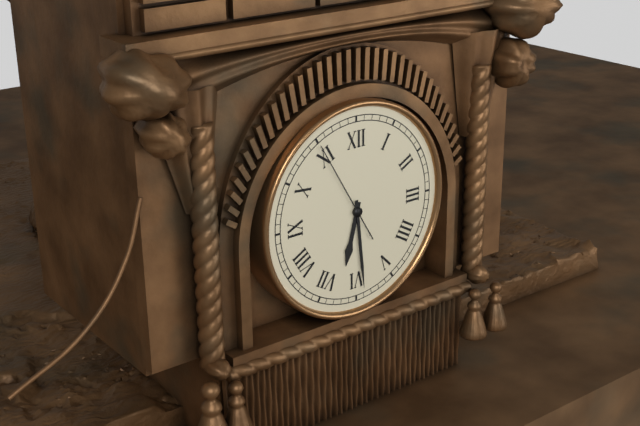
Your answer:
6:29:55
